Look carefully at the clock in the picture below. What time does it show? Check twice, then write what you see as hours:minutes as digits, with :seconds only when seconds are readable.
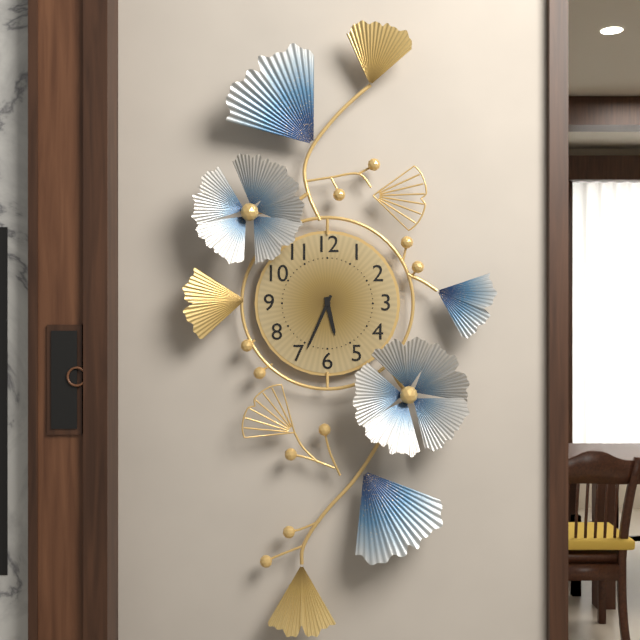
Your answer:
5:34
